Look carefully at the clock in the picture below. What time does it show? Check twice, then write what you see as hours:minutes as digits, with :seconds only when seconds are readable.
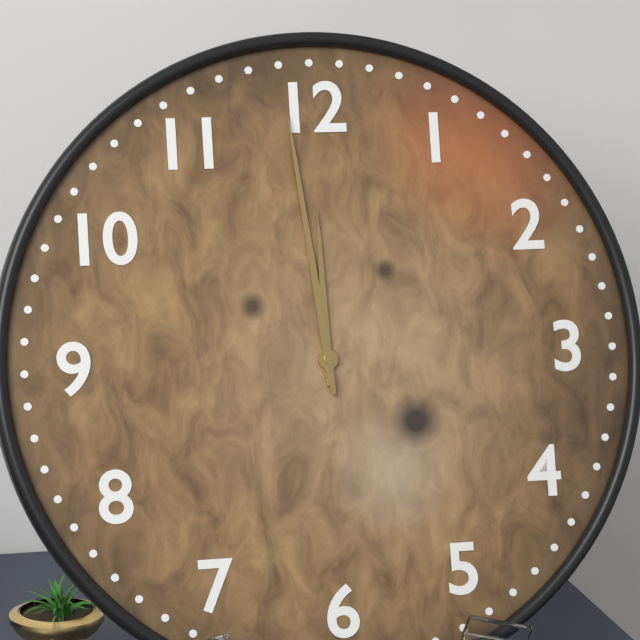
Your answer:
11:59
